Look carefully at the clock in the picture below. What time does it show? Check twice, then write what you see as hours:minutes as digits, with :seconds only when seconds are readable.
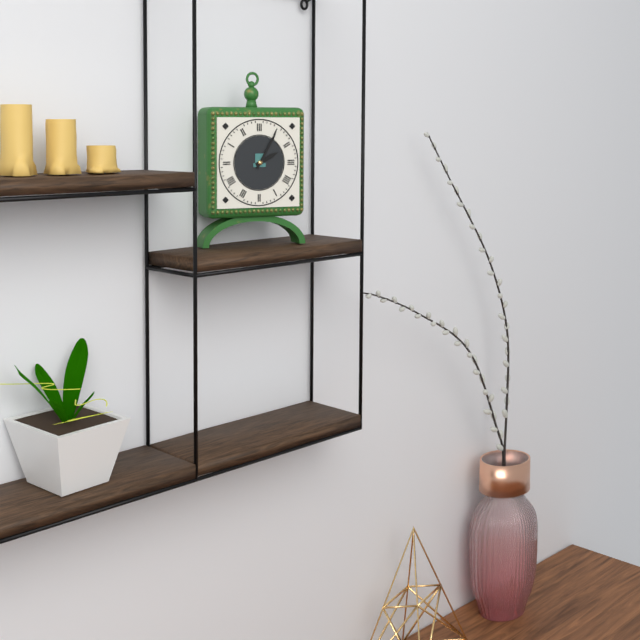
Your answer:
2:05
